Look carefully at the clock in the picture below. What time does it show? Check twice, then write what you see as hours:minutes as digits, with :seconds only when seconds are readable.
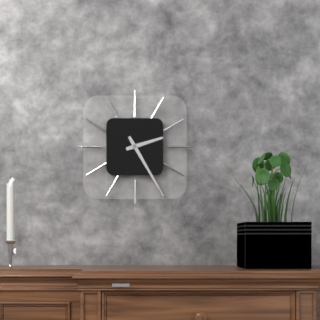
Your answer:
2:25
